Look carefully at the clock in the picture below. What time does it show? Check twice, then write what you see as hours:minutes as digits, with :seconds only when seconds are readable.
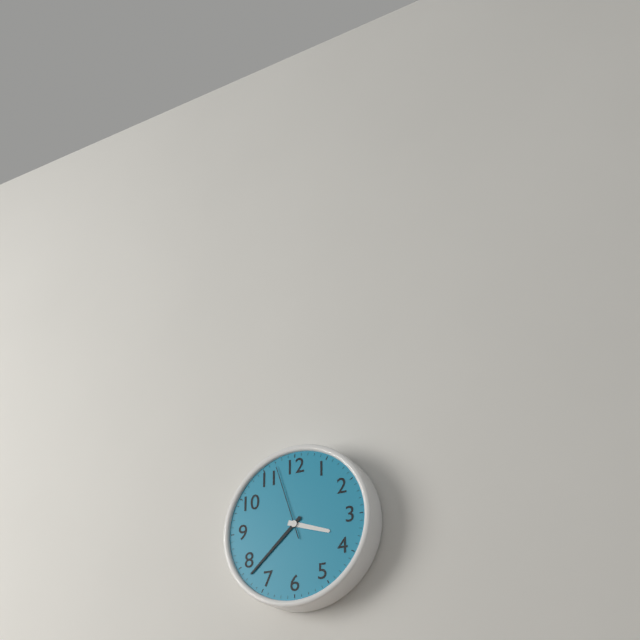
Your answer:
3:38:57
